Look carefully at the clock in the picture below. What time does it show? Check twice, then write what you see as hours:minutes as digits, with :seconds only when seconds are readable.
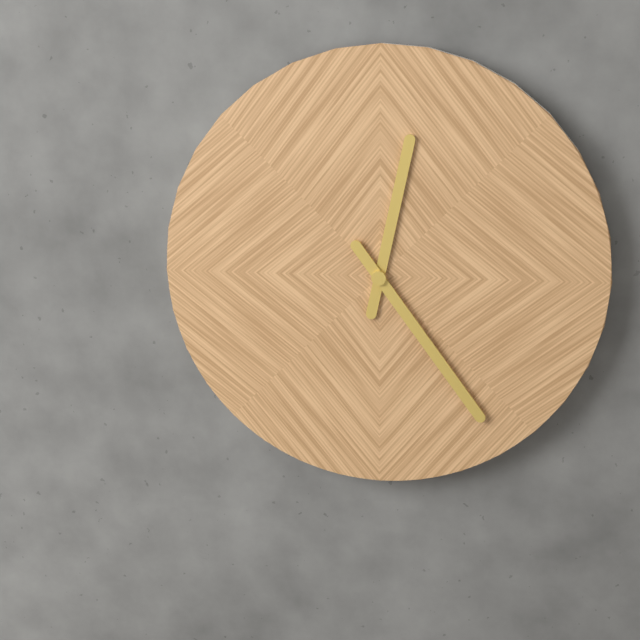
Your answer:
12:24
